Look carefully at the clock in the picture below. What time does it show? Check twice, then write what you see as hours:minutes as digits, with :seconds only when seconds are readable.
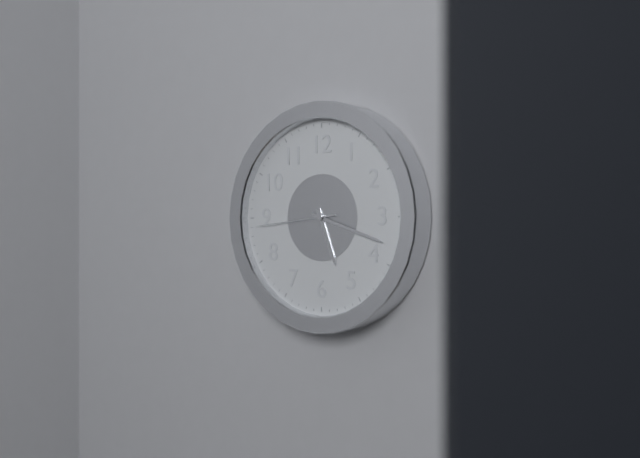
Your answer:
5:18:44
